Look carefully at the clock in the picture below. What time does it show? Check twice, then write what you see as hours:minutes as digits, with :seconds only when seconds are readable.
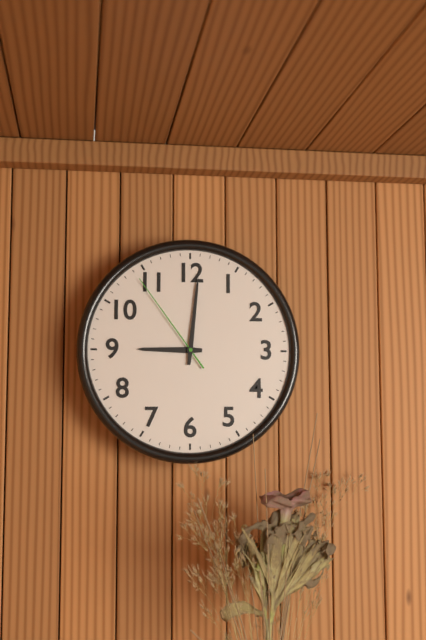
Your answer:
9:01:54
